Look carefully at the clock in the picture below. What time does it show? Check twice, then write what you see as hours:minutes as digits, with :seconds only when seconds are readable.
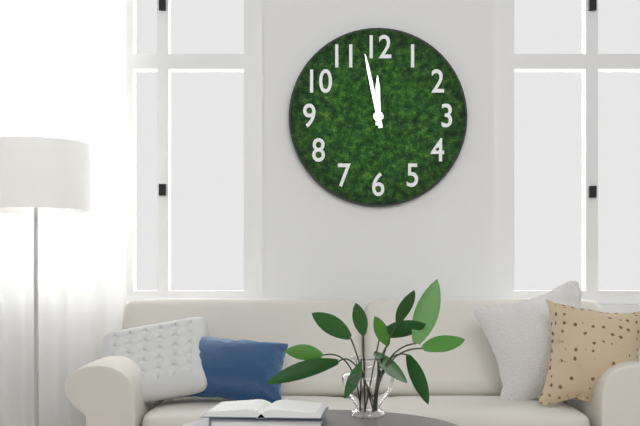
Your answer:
11:58
